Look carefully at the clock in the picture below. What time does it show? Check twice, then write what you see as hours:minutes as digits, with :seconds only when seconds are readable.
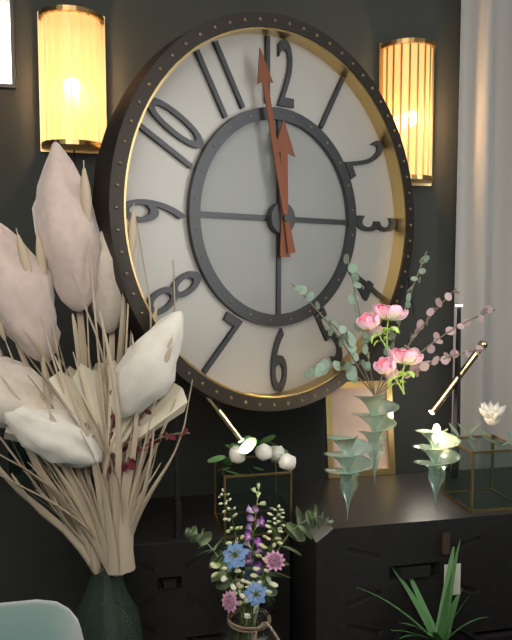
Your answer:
11:58
